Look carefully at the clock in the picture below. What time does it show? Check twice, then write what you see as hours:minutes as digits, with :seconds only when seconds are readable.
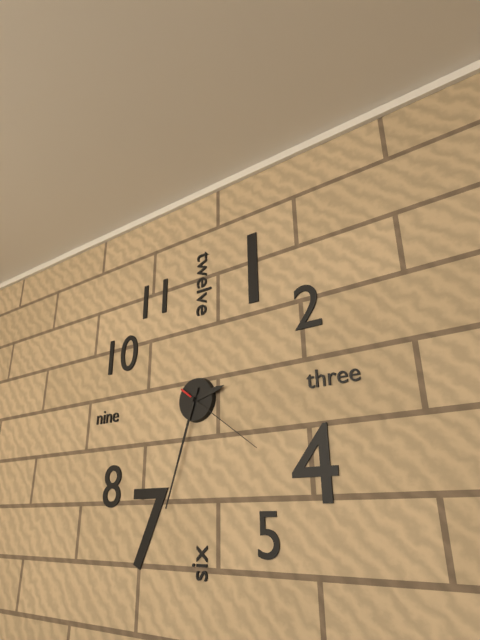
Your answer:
2:33:21
